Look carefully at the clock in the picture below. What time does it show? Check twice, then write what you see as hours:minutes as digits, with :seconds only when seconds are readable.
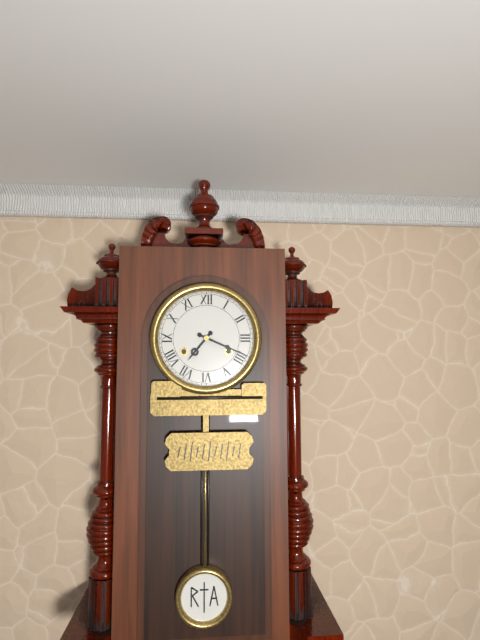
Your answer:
7:19
